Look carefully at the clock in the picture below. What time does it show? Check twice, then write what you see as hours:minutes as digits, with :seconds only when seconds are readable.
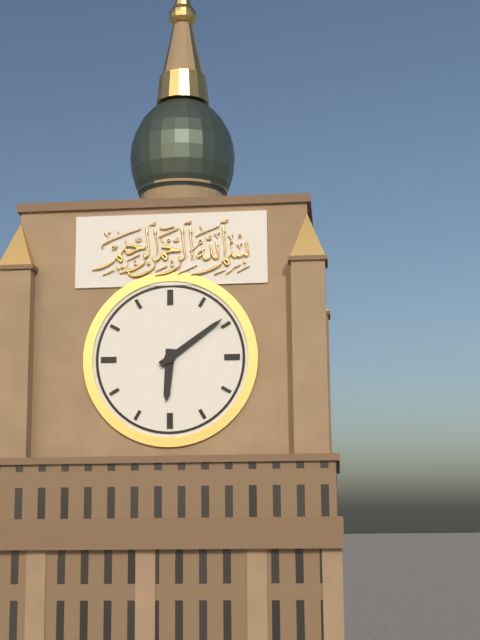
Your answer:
6:09
